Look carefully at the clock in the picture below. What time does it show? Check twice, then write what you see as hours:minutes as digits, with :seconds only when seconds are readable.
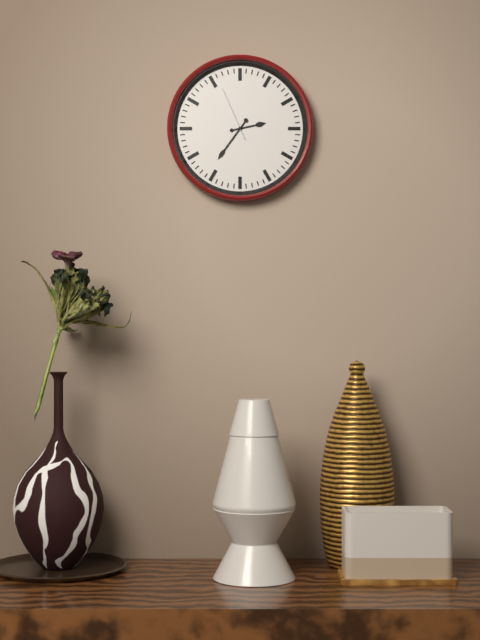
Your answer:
2:36:56
